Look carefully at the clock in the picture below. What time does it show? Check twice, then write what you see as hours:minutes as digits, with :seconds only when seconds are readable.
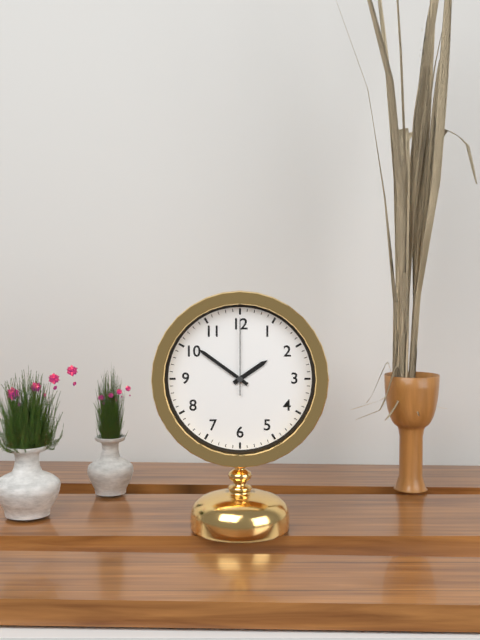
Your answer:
1:51:00
